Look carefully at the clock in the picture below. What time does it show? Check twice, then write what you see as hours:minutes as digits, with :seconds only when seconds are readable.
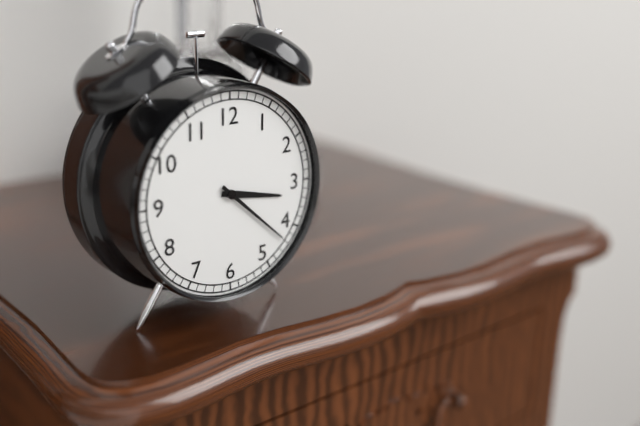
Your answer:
3:22
